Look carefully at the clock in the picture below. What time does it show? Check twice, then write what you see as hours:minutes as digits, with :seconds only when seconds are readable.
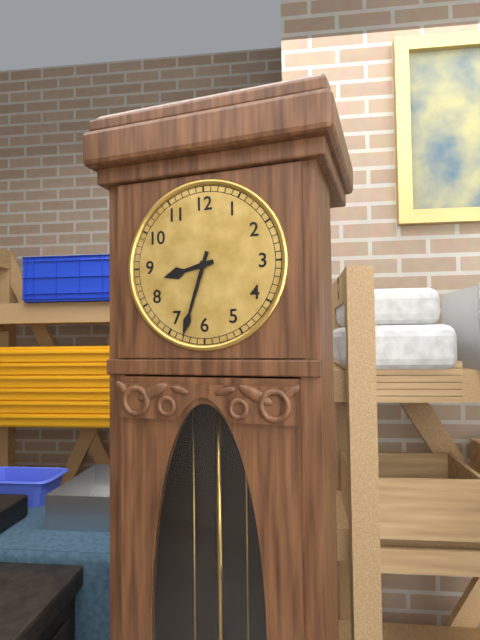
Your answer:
8:33
